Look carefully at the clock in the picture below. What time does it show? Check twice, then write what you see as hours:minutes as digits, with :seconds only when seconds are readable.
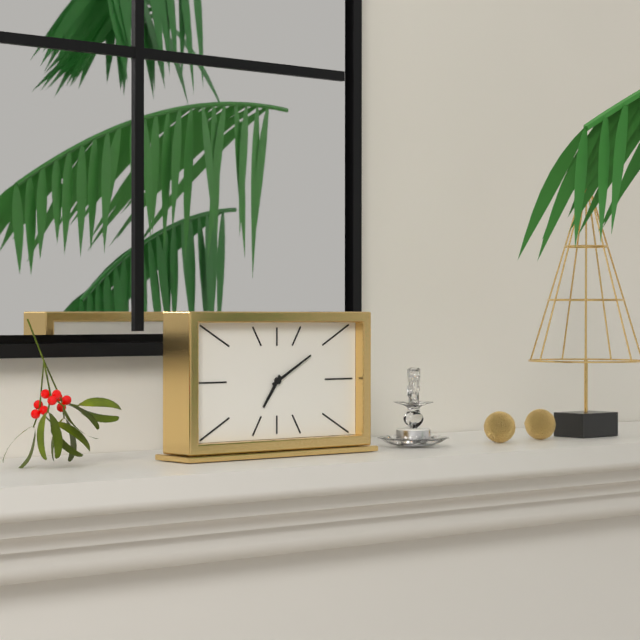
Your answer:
7:10
